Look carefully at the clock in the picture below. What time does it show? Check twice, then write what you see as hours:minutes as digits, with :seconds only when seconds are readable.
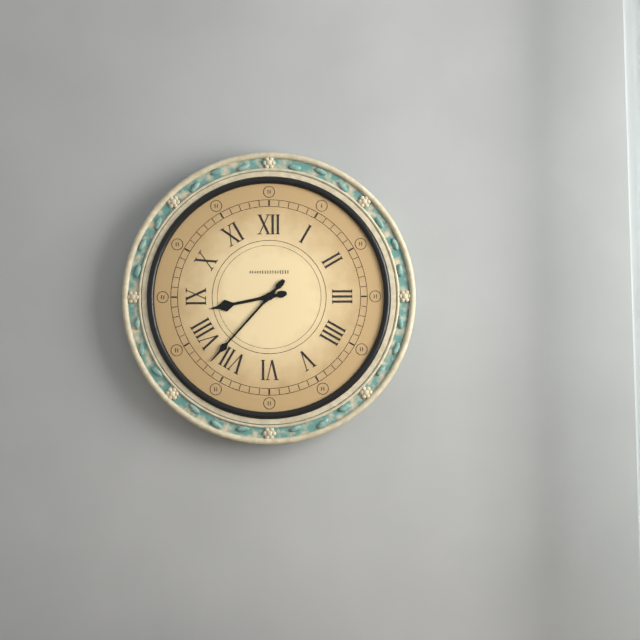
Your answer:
8:37
